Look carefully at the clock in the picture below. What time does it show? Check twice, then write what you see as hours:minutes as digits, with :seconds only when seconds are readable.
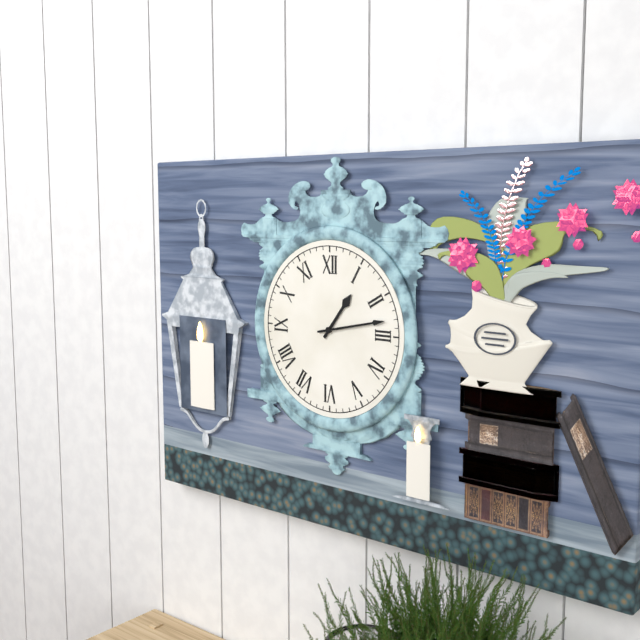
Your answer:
1:13
